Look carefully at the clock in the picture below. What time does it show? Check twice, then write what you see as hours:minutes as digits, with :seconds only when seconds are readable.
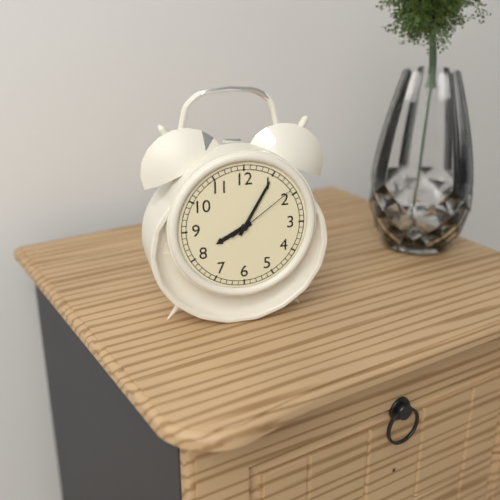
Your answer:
8:05:09
